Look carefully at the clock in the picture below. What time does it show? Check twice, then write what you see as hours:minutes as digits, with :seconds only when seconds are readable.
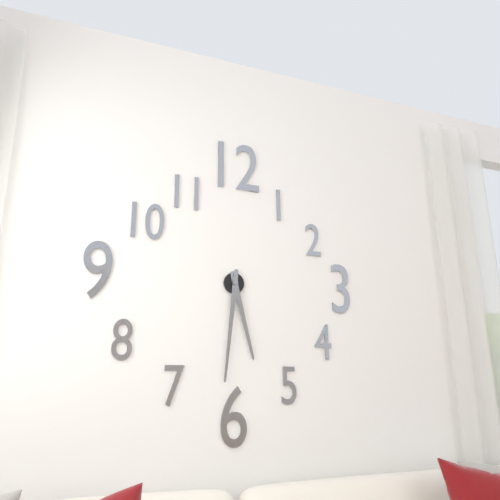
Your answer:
5:31
